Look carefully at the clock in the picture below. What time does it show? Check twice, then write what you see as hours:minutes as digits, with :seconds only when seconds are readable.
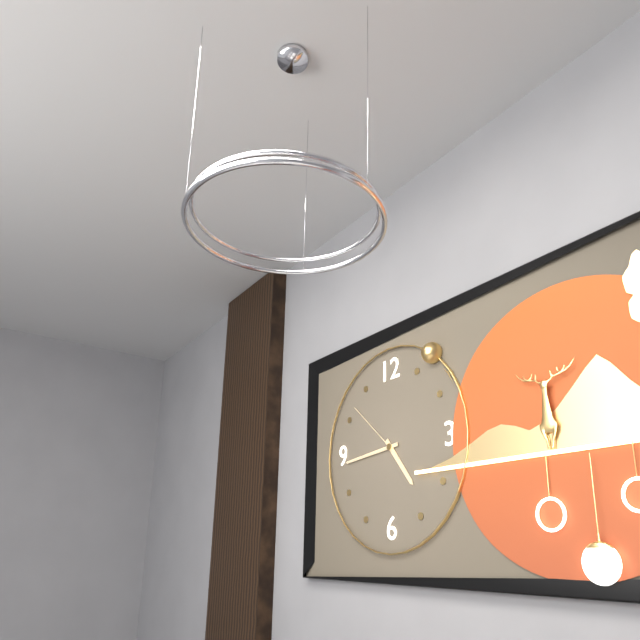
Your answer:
4:44:52
